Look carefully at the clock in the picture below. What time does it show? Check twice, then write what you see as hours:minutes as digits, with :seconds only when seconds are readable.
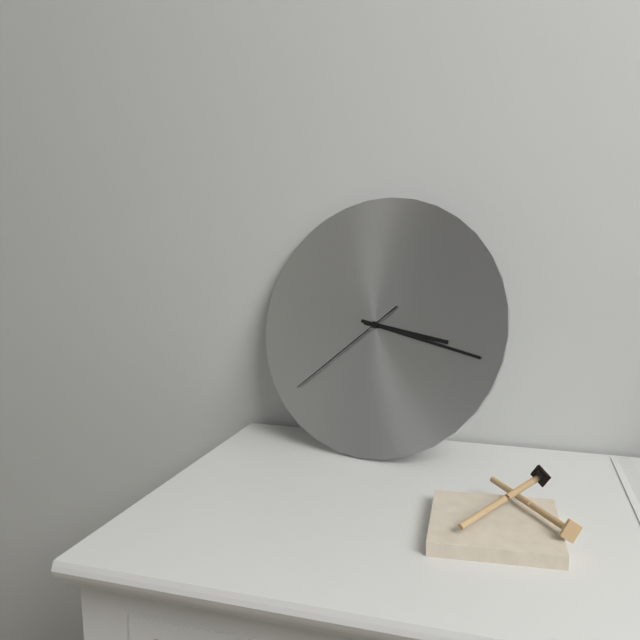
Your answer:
3:17:38
